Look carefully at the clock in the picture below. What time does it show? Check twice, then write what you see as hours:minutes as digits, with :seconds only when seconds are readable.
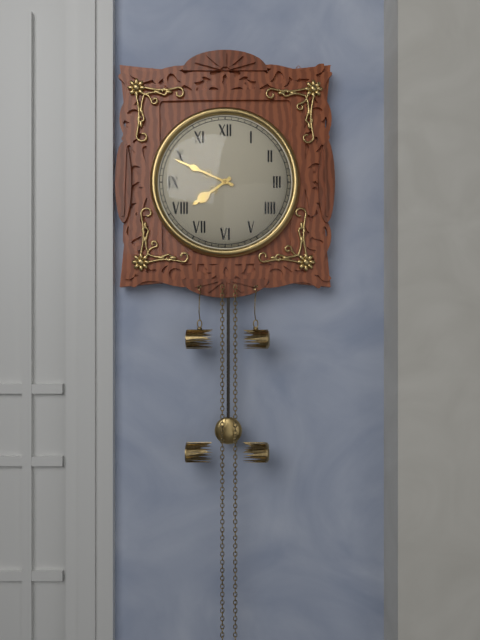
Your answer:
7:49
